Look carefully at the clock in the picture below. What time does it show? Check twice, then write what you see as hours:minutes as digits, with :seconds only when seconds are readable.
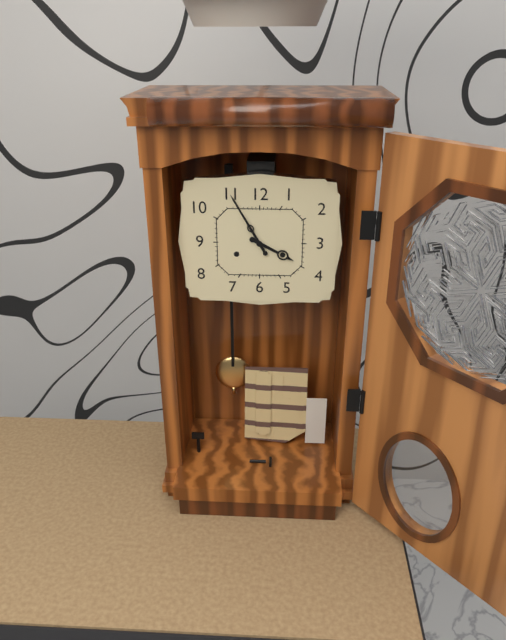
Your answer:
3:55
